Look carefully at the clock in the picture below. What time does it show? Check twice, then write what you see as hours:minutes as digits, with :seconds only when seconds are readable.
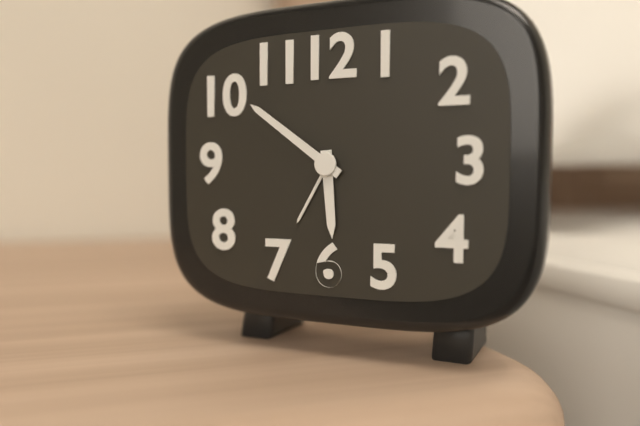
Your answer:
5:51
